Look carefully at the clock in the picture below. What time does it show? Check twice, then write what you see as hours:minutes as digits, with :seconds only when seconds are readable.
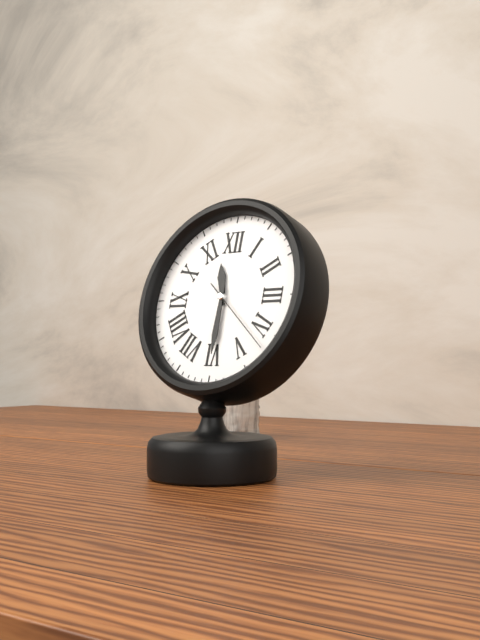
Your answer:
11:30:22
